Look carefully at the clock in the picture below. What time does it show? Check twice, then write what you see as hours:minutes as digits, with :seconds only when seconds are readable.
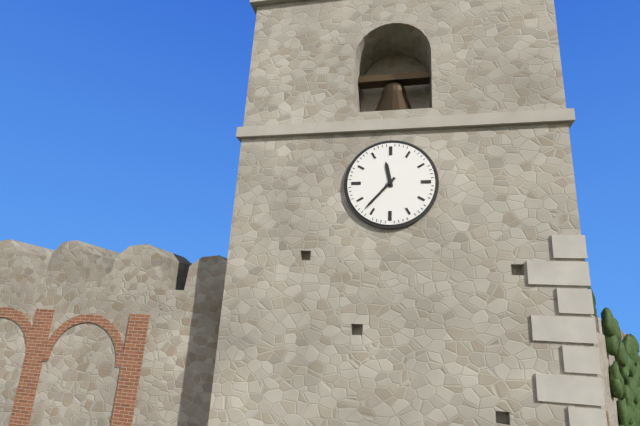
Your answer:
11:37
